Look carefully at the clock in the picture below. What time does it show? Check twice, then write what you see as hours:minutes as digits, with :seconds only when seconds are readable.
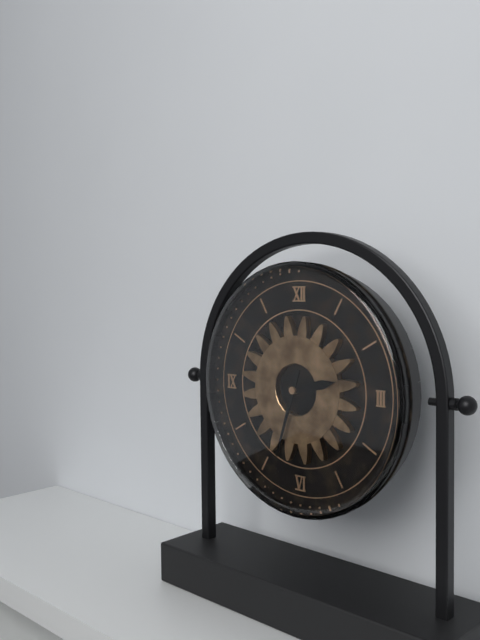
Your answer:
2:33
